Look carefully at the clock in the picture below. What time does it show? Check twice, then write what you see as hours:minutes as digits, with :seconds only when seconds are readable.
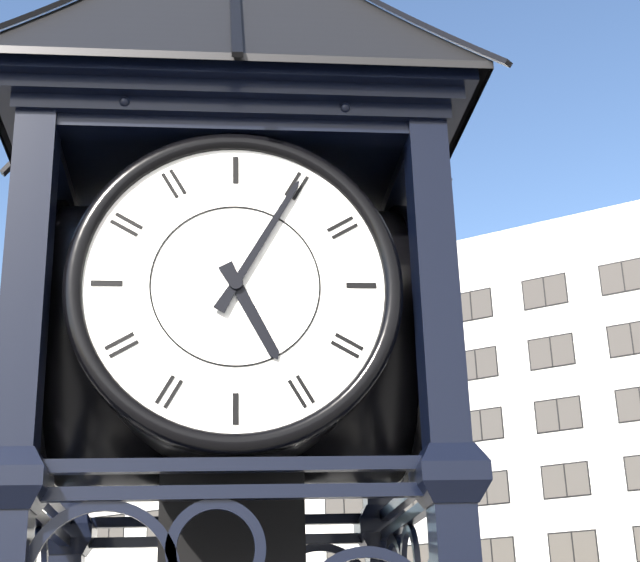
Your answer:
5:05
